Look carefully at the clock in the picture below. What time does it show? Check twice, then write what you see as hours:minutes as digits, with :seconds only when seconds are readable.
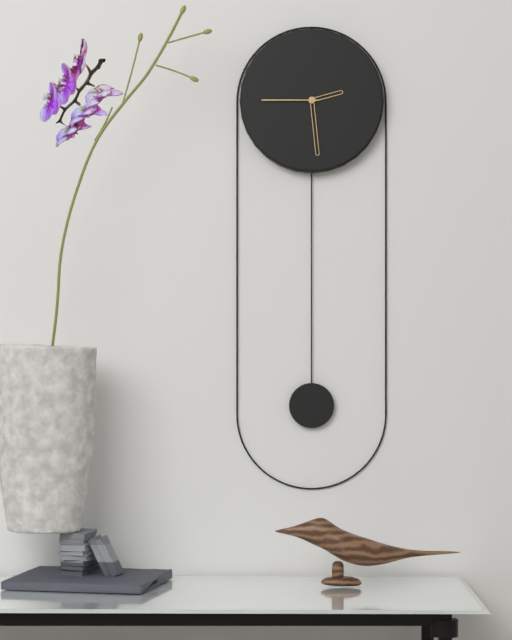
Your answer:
2:29:45
